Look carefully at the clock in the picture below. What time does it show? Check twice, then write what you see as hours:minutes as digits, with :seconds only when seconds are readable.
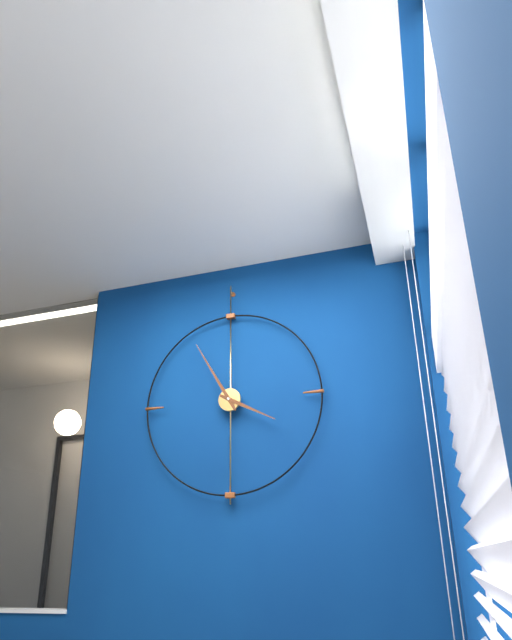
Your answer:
3:55
